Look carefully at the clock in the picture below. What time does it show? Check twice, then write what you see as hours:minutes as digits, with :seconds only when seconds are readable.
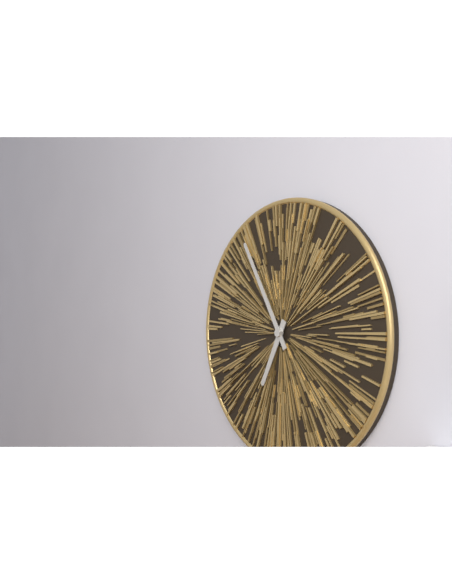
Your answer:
6:55
